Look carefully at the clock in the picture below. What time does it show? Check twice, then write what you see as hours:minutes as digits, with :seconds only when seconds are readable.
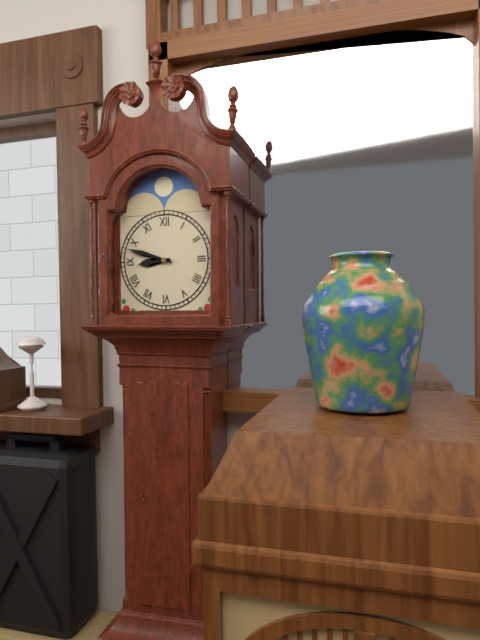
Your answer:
8:48
